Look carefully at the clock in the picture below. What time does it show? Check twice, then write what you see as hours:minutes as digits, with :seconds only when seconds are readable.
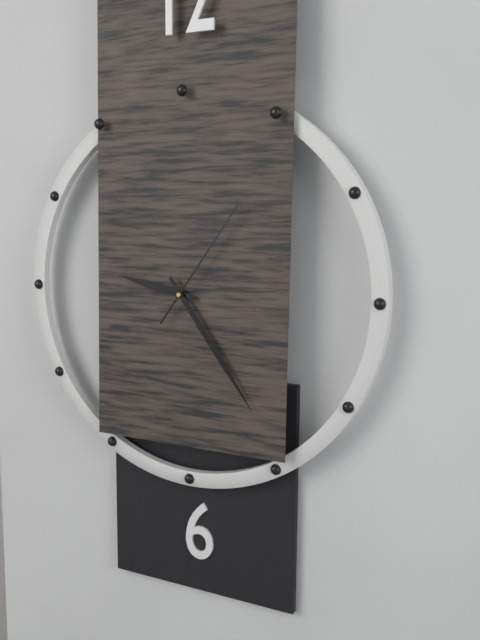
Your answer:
9:24:06
